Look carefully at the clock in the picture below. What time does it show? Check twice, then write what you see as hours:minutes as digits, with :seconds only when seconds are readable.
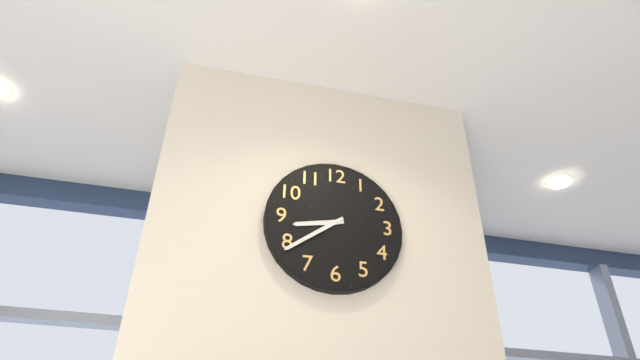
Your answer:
8:39
